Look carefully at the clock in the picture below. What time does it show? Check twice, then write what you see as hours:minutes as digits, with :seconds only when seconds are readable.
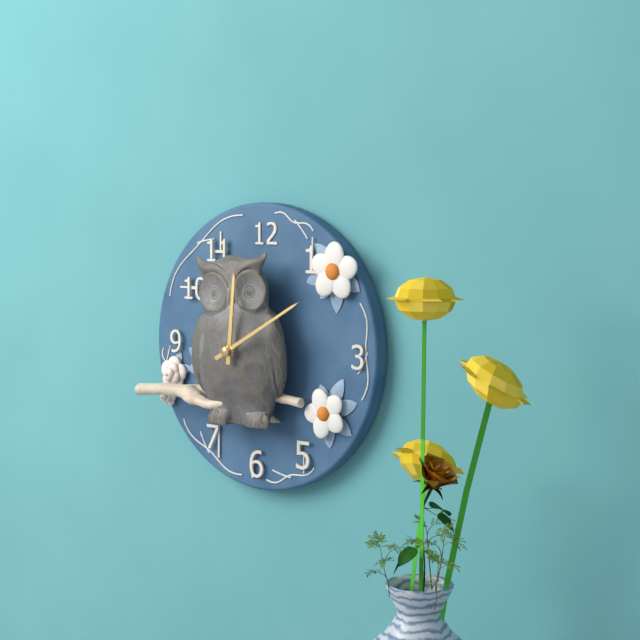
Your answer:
12:10
